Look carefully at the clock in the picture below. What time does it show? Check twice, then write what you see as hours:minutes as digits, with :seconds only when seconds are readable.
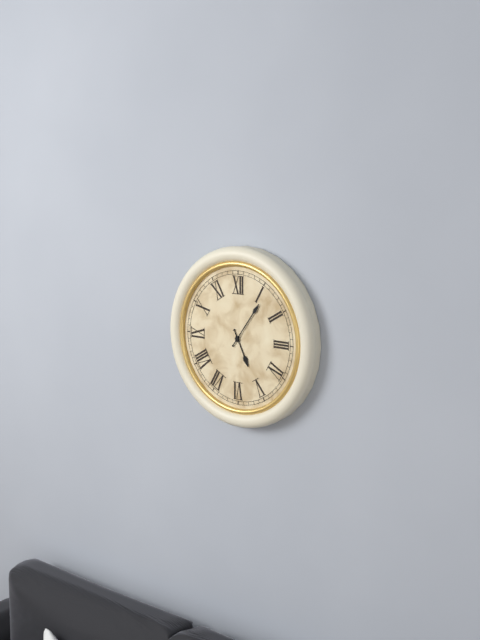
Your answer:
5:06
